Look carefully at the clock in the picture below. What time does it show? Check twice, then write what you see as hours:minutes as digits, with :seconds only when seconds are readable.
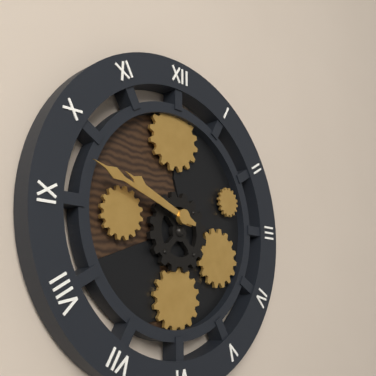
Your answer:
9:48
